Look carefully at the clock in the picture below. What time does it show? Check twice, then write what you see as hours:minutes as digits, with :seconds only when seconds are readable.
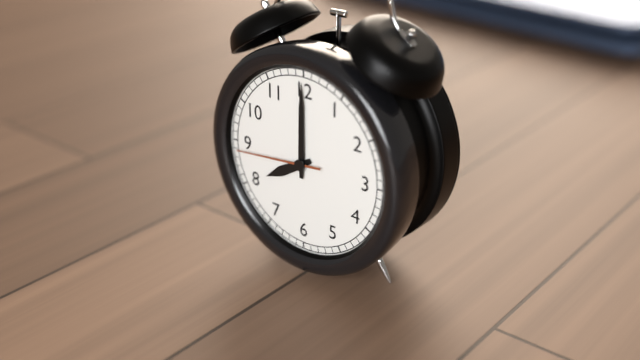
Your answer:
8:00:44
